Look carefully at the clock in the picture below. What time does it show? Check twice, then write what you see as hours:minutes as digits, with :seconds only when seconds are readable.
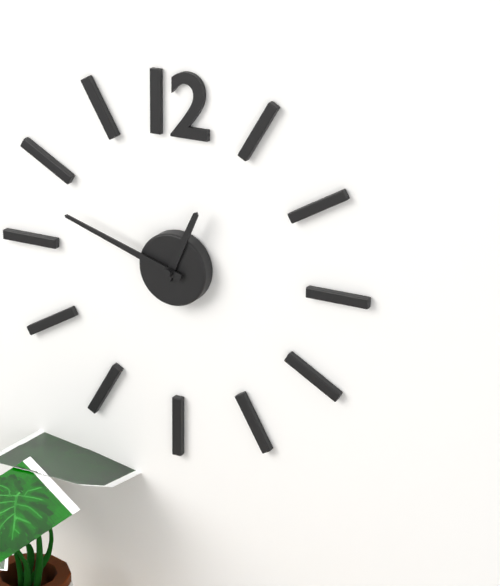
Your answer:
12:48
